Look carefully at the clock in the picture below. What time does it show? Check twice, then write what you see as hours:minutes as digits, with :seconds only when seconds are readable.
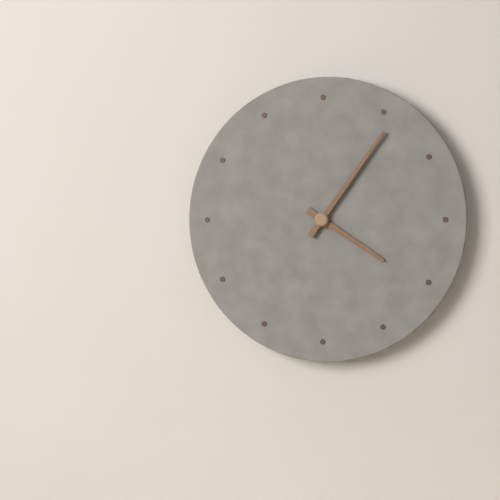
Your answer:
4:06
